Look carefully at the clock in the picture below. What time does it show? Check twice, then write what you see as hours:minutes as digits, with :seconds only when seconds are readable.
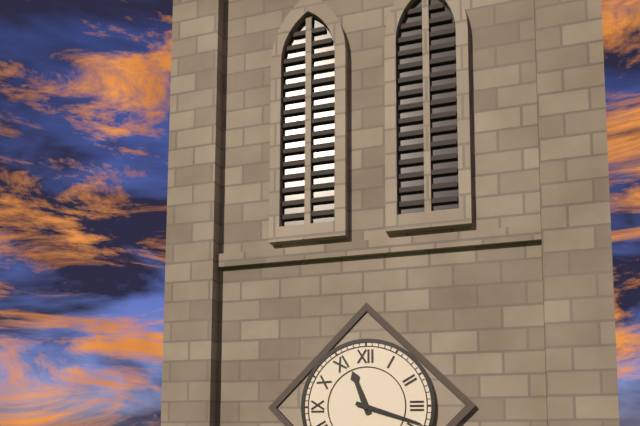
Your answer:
11:18
